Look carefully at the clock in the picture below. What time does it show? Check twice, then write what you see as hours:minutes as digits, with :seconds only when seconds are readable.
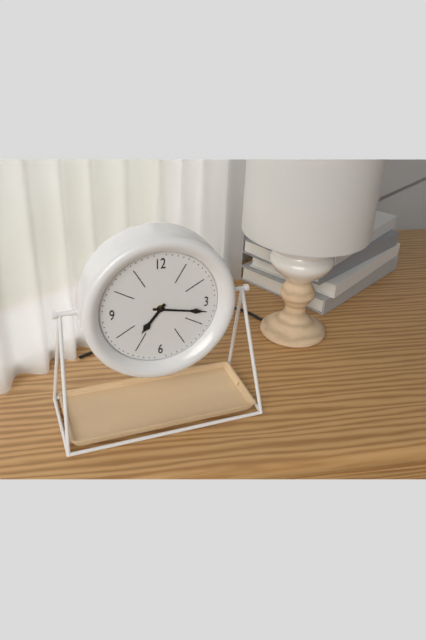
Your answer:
7:17
